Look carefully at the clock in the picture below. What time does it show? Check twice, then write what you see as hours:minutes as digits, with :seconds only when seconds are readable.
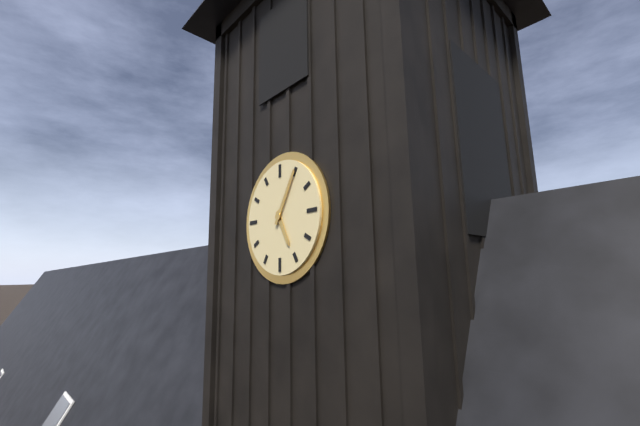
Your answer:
5:05
